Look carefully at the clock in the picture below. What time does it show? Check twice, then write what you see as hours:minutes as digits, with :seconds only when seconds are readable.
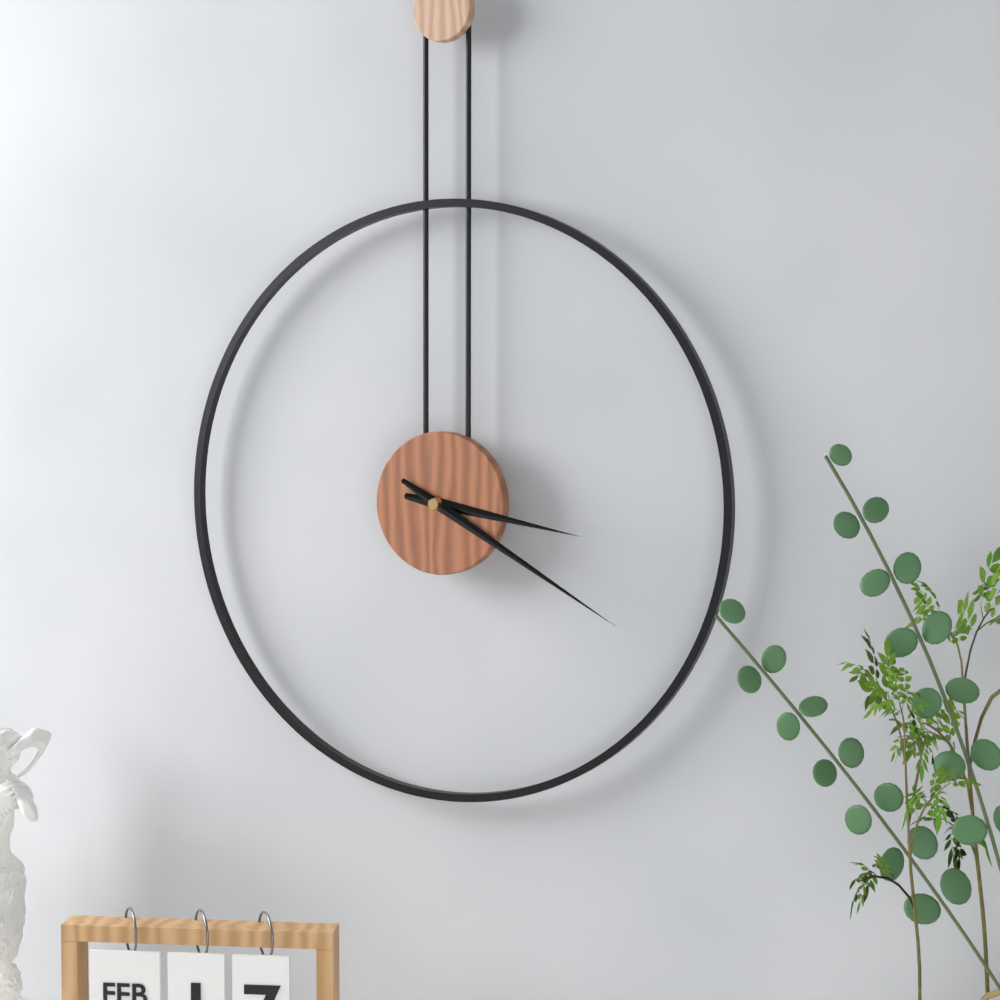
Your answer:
3:20
